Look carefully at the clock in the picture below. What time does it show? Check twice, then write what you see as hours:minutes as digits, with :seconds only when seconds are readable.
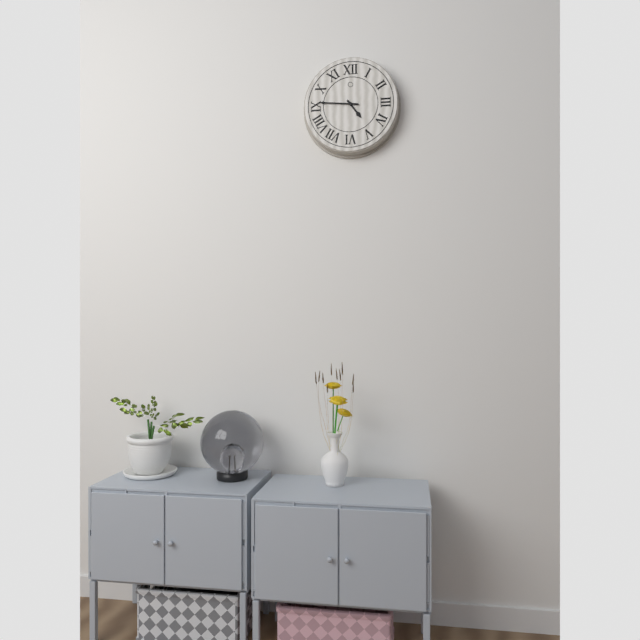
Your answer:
4:46
